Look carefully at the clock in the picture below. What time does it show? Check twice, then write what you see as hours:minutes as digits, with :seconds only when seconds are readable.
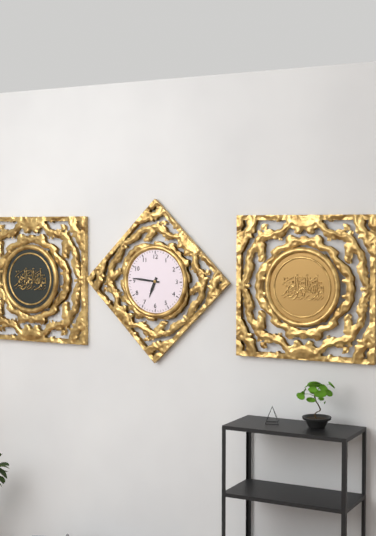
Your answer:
6:46
